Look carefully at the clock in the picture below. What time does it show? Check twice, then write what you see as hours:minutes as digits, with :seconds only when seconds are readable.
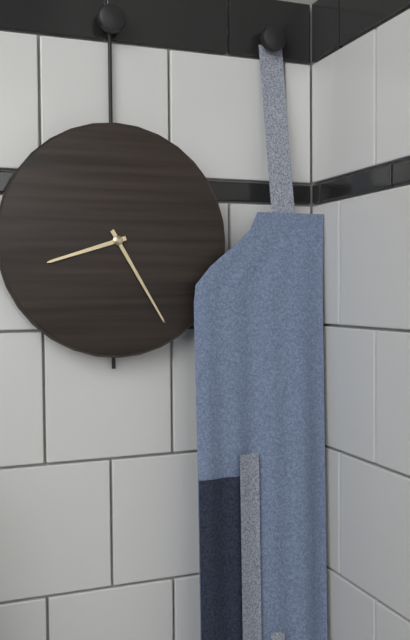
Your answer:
8:25
